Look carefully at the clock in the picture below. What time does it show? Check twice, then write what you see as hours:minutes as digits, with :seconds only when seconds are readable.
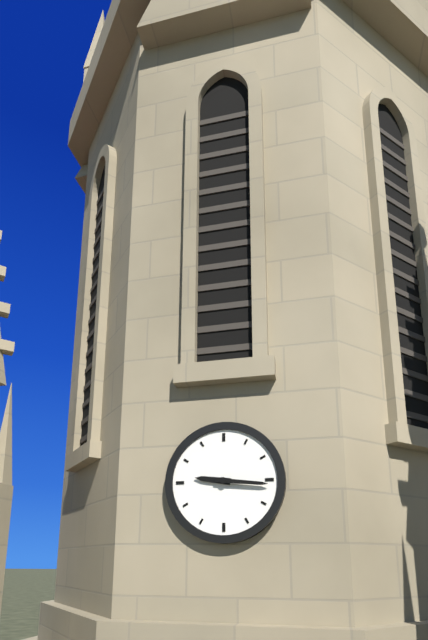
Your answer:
9:16
